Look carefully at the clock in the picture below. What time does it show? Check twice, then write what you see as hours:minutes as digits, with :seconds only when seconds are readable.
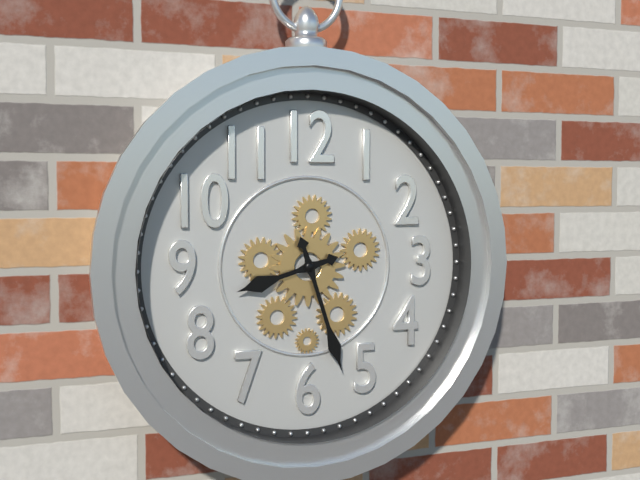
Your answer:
8:27
